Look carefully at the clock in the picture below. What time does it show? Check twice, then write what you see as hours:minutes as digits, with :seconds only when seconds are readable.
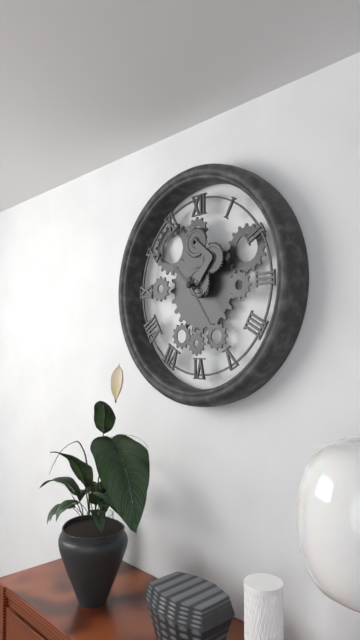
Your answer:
10:24
